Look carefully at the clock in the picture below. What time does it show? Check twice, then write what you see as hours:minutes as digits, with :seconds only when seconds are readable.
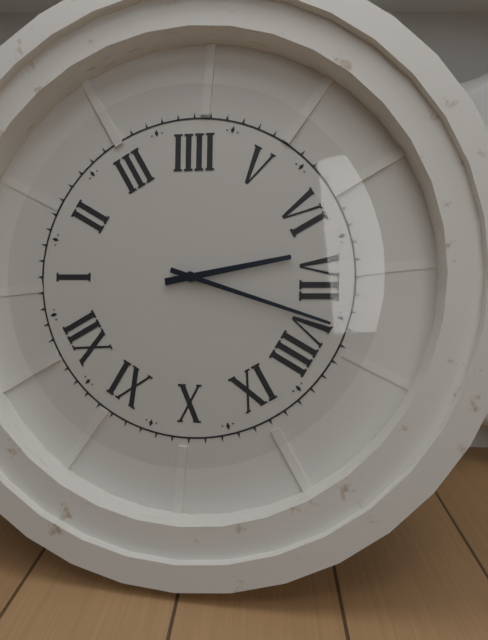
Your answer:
6:38
